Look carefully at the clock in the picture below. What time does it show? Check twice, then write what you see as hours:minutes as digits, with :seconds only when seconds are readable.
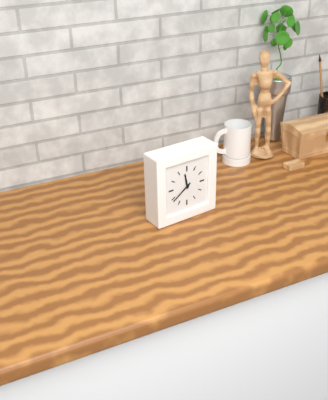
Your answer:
11:39
